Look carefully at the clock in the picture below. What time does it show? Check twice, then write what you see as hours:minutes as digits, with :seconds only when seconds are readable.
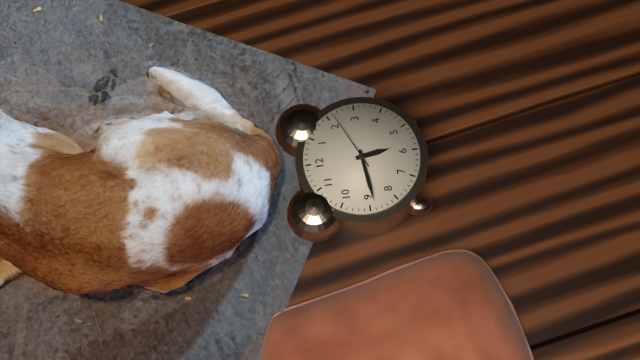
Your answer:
5:44:11
